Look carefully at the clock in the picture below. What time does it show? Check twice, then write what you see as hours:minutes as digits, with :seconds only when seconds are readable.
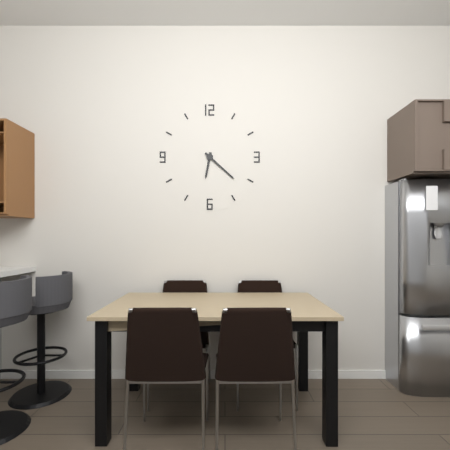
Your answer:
6:22
